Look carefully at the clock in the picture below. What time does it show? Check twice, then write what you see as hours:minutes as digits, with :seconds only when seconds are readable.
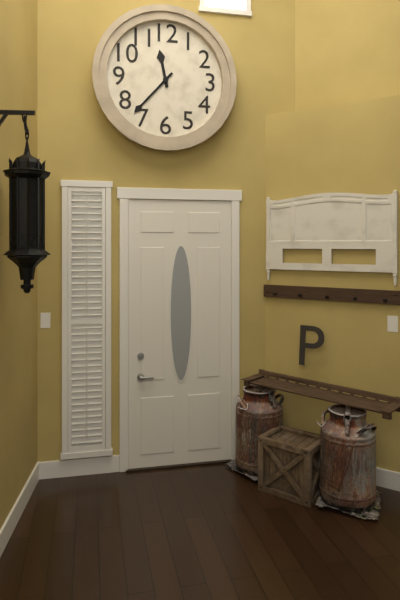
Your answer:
11:37
